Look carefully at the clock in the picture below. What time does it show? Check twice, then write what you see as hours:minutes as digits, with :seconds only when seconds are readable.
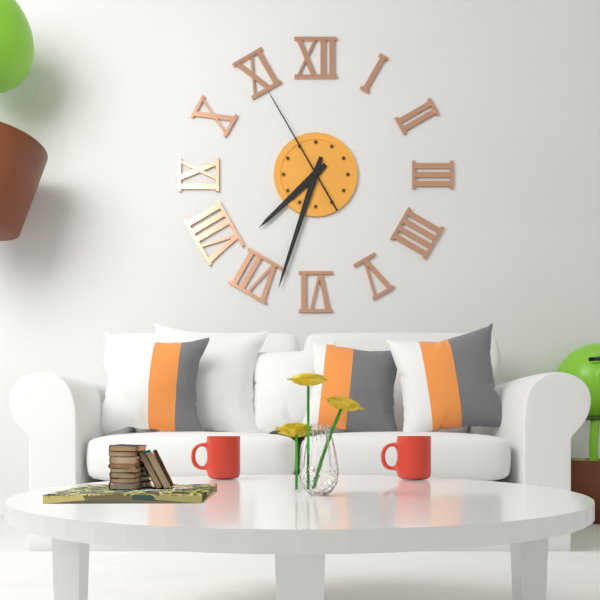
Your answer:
7:33:55
